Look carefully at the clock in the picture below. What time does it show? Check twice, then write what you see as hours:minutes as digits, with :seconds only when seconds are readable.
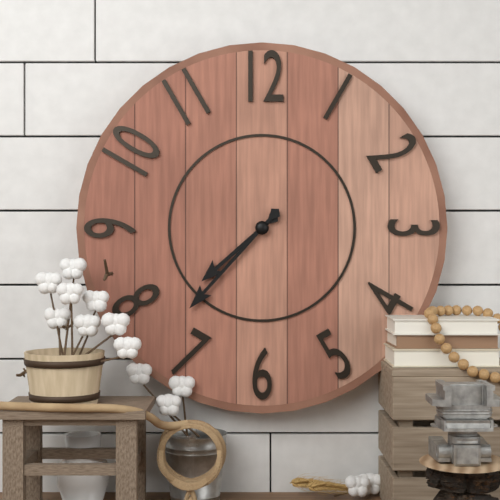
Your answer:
7:37
